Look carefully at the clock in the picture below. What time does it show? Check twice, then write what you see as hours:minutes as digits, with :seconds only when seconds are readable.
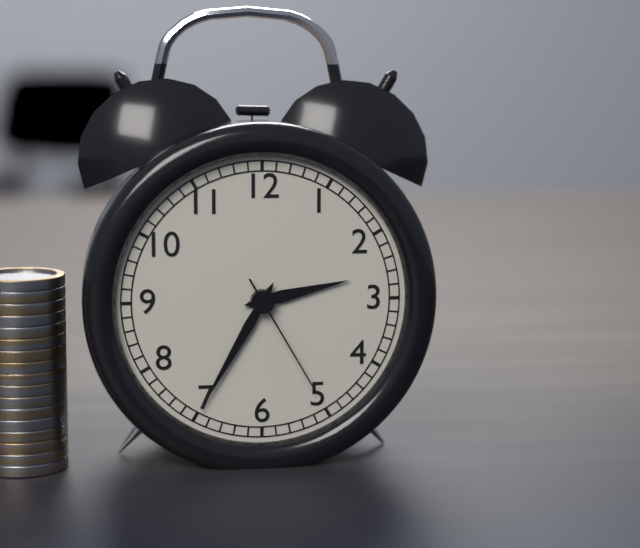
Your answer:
2:35:25
